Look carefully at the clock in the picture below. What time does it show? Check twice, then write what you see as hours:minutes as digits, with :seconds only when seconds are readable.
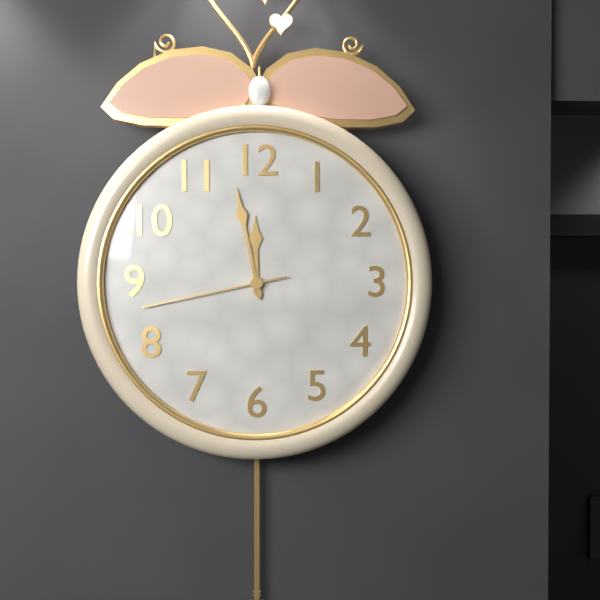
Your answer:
11:58:43
